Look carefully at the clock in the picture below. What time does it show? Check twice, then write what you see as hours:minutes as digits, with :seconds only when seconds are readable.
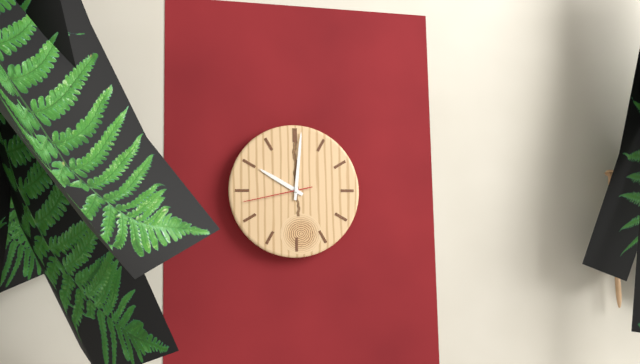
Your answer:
10:01:43
